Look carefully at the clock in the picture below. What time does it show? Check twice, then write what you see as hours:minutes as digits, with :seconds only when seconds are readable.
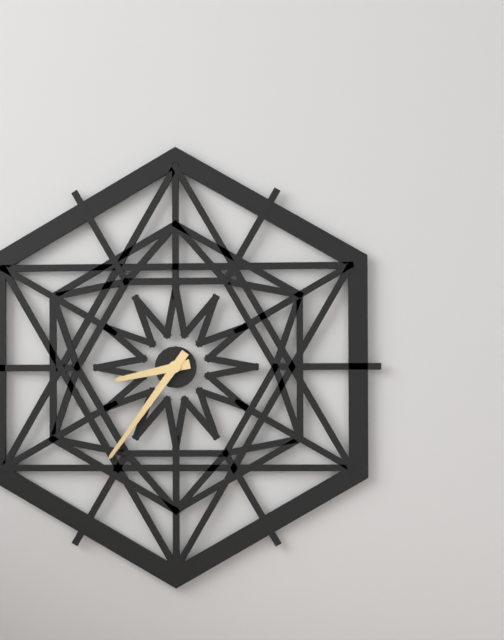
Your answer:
8:36
